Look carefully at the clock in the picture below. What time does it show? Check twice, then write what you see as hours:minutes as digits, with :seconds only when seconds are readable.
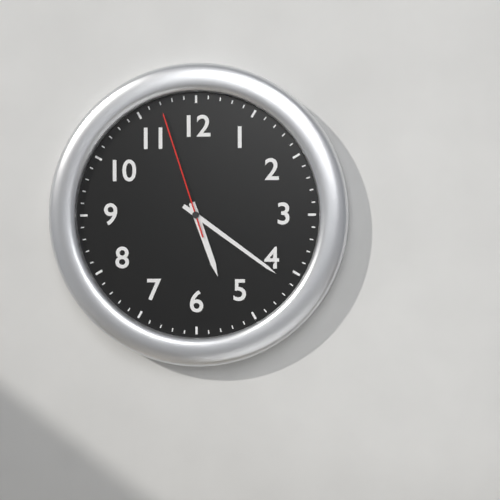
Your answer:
5:21:57
